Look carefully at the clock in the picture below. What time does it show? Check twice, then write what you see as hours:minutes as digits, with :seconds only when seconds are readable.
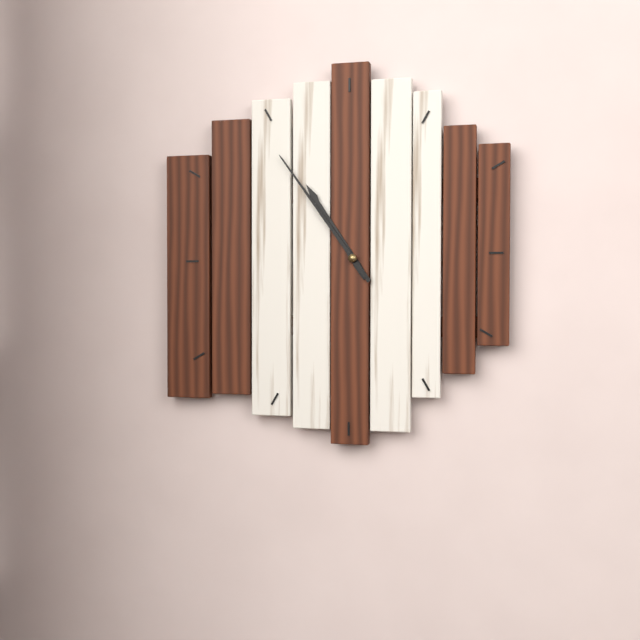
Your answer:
10:54
